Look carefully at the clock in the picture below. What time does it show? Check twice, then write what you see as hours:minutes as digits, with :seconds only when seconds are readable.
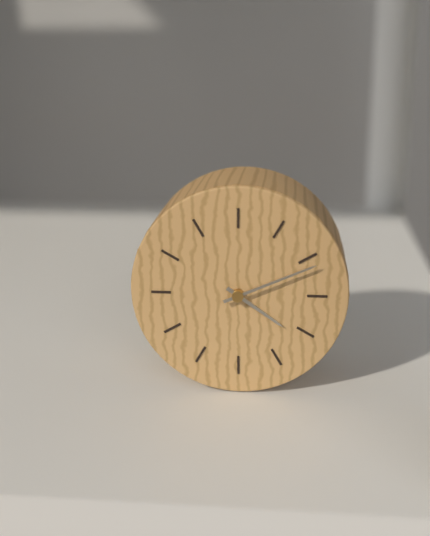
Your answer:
4:11
